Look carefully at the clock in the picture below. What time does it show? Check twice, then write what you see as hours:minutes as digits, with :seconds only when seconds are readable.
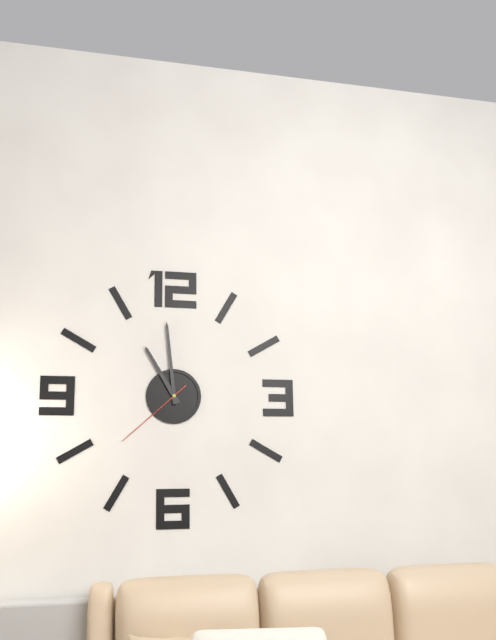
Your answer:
10:59:38
